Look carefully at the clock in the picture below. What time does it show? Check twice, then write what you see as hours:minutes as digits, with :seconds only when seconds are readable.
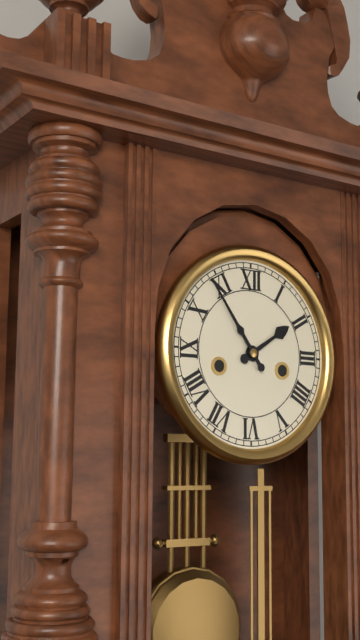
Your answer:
1:54
